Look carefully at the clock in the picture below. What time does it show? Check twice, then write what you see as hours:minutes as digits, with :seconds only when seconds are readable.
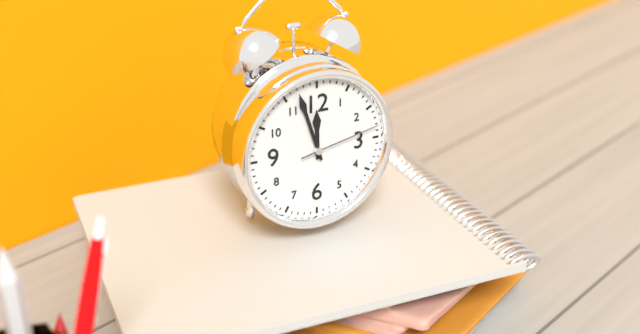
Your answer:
11:57:13
